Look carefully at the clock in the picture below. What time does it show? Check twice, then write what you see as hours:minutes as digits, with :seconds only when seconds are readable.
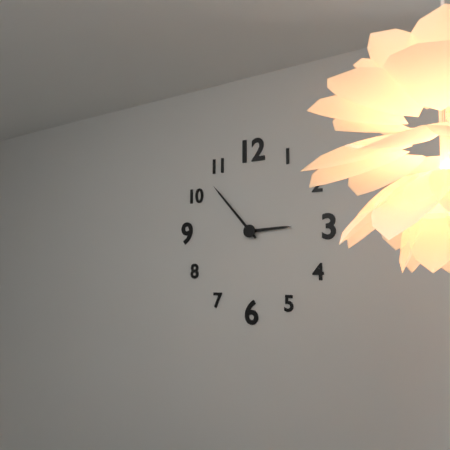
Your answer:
2:53
